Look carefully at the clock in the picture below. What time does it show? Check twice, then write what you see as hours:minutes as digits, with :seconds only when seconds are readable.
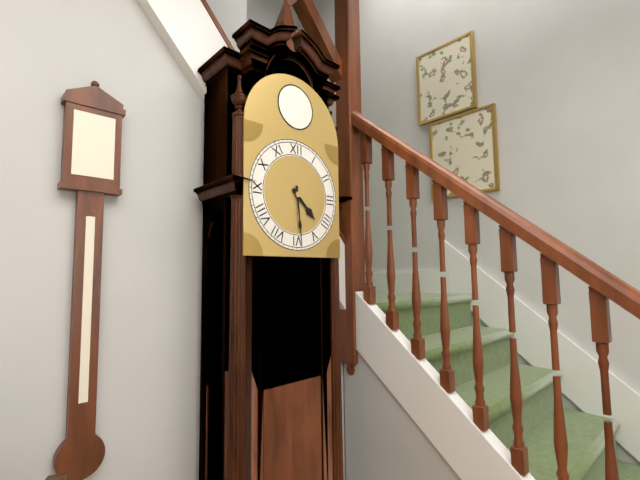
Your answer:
4:29
